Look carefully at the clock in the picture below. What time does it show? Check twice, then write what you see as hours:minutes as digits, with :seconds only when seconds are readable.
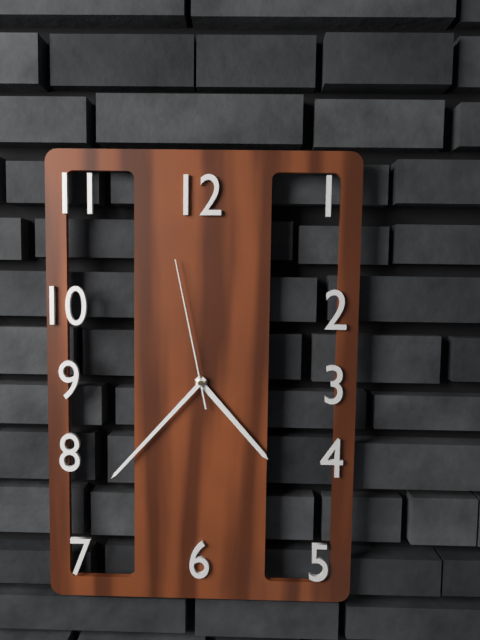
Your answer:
4:37:58
